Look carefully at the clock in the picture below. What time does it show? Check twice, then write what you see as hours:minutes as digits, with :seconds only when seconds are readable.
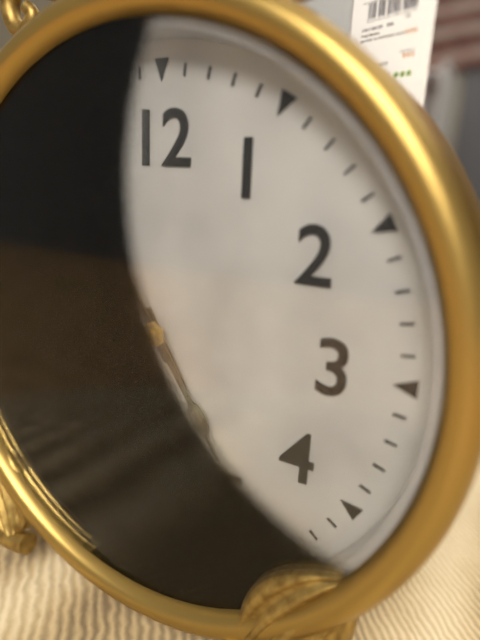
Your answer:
4:54
